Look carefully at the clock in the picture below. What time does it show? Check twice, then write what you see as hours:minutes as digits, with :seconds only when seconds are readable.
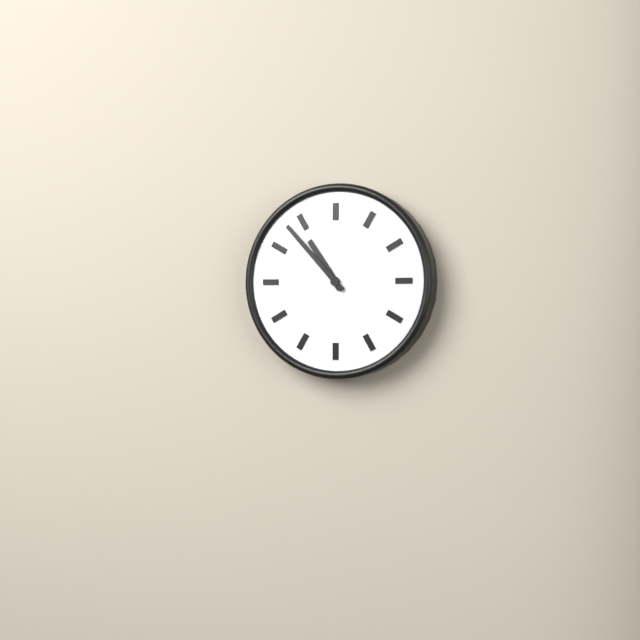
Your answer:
10:53
